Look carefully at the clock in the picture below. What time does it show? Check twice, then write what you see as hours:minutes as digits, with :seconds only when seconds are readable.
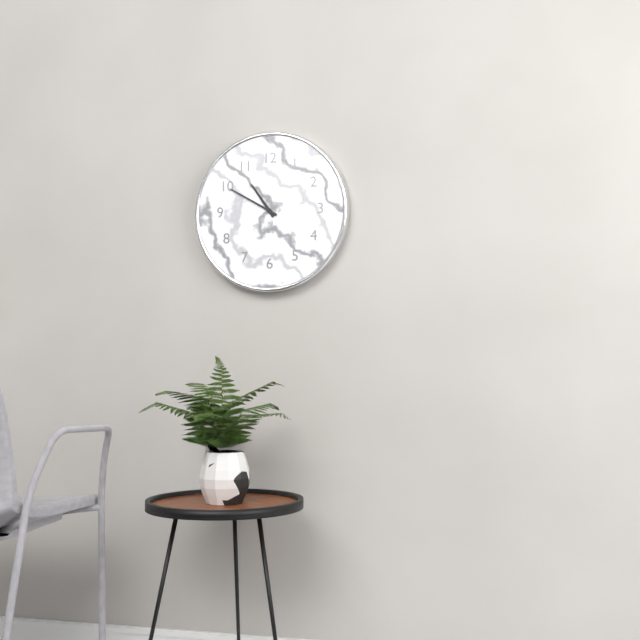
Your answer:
10:50
